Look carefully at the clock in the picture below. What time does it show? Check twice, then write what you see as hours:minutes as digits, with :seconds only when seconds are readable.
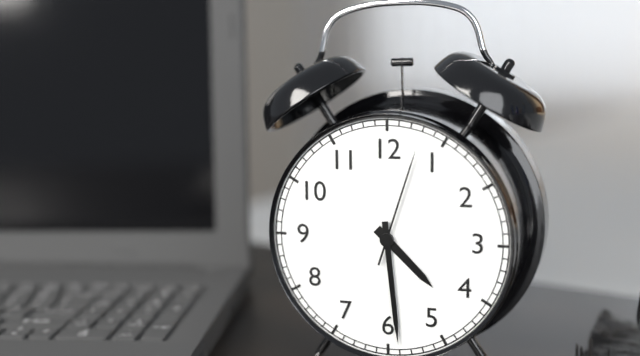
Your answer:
4:29:03
